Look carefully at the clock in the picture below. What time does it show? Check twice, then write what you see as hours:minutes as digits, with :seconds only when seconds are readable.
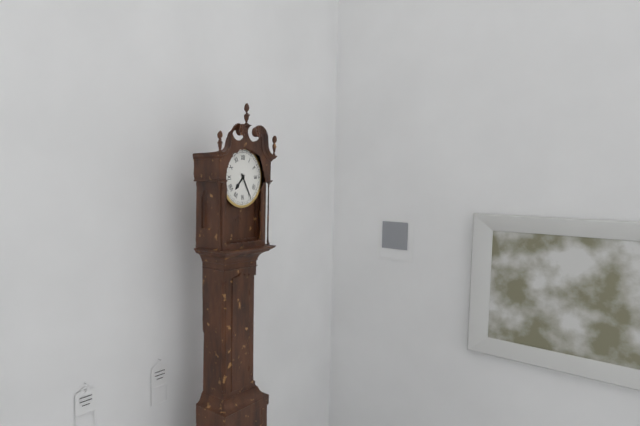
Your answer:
7:25
